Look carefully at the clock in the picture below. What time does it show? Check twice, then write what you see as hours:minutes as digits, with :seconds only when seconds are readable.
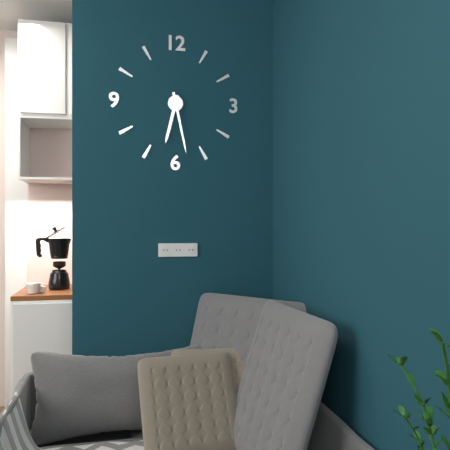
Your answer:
6:28
